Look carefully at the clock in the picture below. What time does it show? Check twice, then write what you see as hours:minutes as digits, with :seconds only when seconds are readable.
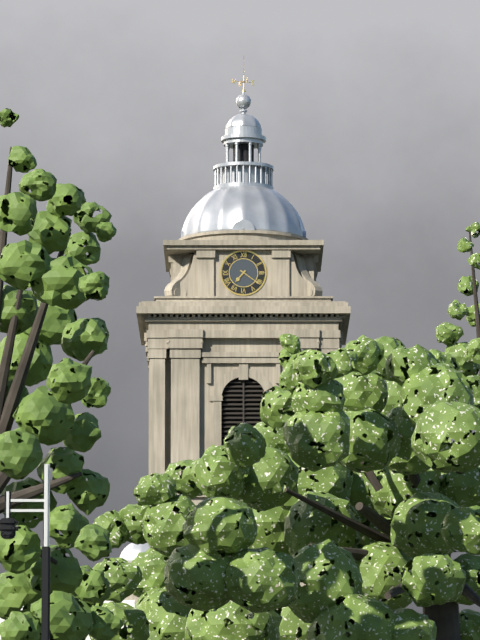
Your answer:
7:21
